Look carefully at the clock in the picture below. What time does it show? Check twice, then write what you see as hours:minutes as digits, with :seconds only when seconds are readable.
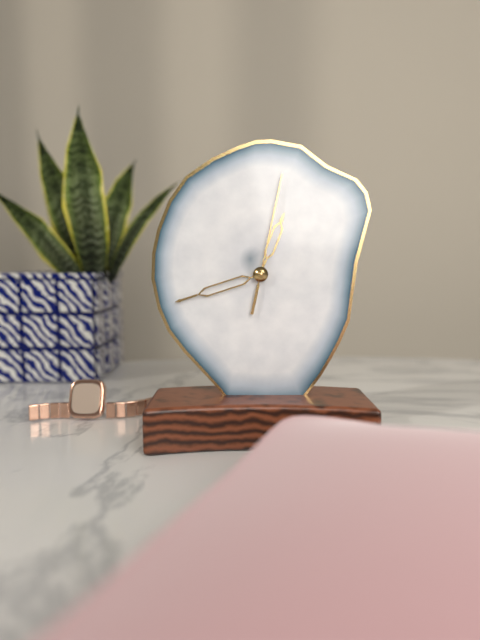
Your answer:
12:42:02
